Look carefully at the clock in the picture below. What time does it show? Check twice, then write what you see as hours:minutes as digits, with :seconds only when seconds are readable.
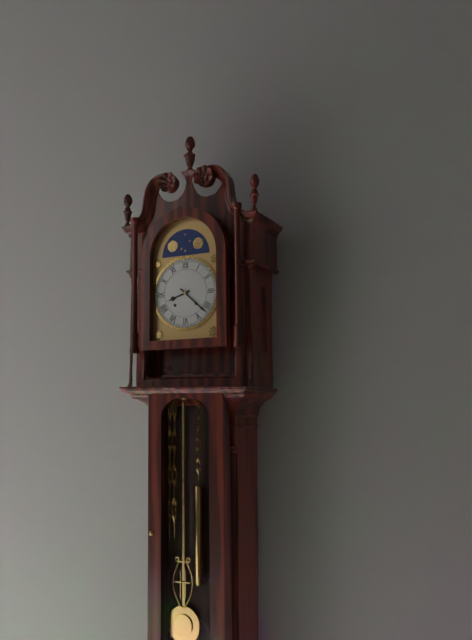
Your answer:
8:22
